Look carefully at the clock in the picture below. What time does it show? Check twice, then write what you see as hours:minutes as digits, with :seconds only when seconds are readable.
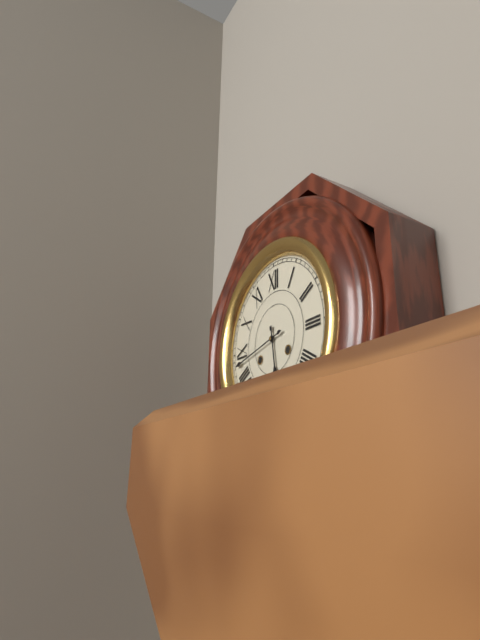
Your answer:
5:43
